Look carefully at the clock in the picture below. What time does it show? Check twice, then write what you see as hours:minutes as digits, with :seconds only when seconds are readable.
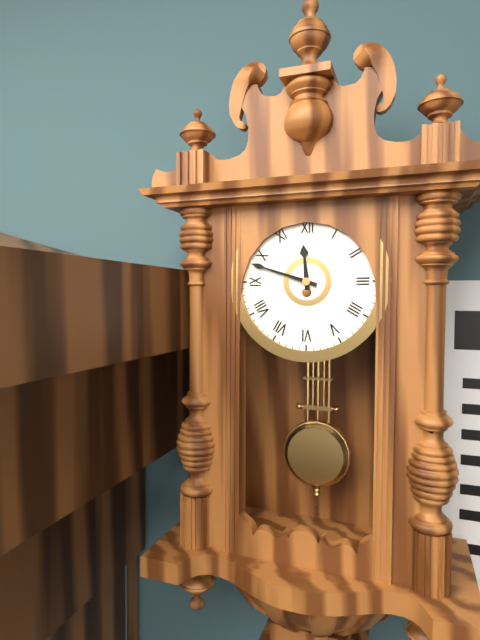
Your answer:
11:48
